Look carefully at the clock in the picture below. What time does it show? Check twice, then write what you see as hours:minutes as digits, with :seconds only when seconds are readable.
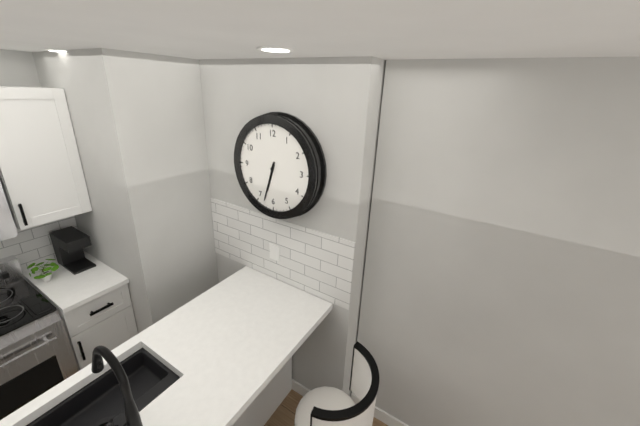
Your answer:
6:33
